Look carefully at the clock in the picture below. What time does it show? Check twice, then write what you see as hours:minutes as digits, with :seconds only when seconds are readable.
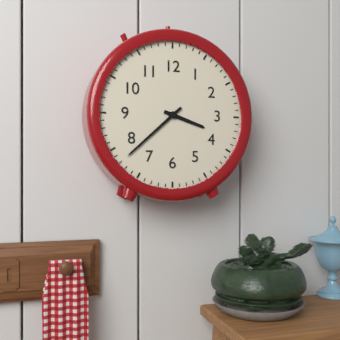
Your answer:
3:38
